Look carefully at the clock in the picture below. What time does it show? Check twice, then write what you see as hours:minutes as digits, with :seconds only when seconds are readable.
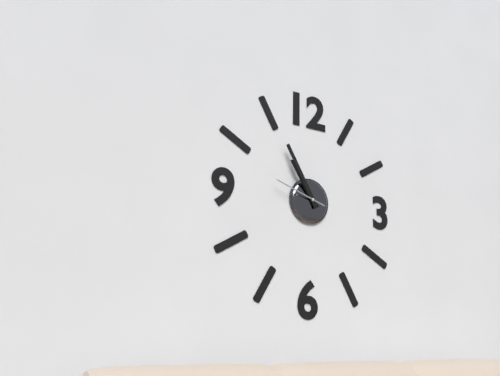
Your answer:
10:55:48
